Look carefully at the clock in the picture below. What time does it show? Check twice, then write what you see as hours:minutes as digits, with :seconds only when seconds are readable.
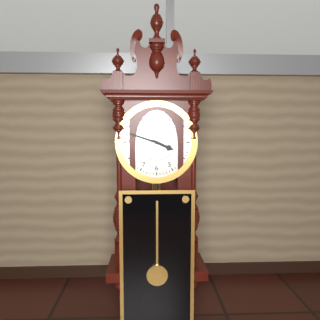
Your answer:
3:48
